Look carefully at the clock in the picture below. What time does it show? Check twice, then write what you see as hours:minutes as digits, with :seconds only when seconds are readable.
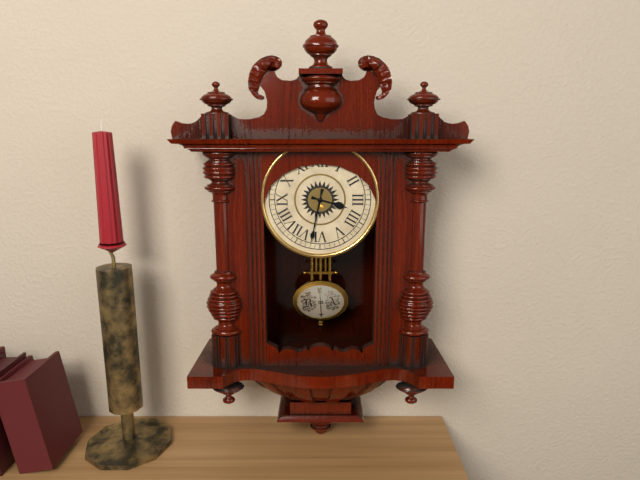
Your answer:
3:32
